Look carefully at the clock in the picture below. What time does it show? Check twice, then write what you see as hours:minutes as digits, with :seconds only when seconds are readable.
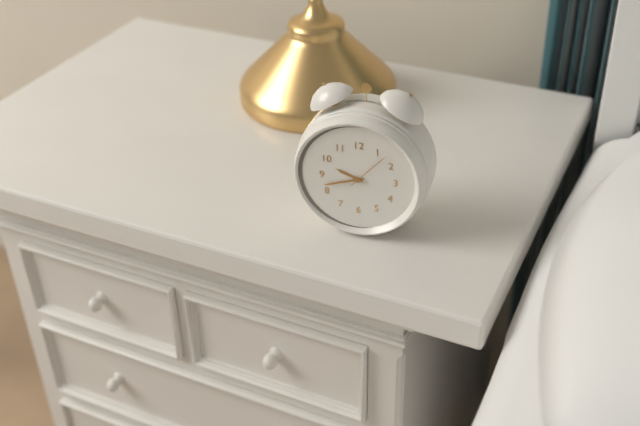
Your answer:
9:42
